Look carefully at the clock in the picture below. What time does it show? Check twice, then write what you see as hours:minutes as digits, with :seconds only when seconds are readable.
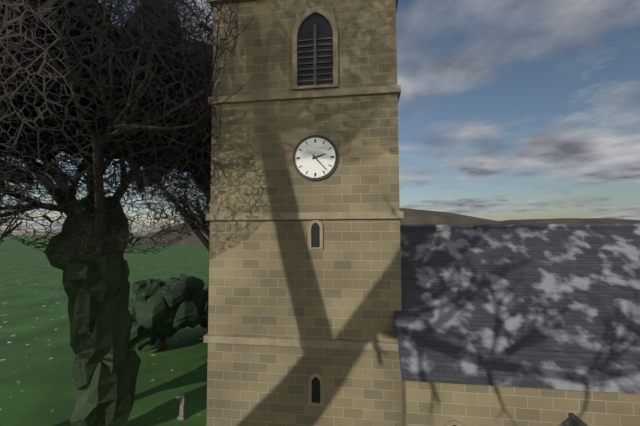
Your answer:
2:23
